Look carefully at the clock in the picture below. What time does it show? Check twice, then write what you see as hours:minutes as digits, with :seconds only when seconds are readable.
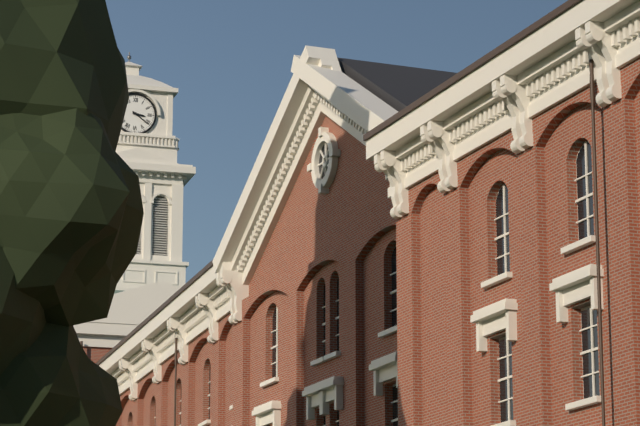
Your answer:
3:21
